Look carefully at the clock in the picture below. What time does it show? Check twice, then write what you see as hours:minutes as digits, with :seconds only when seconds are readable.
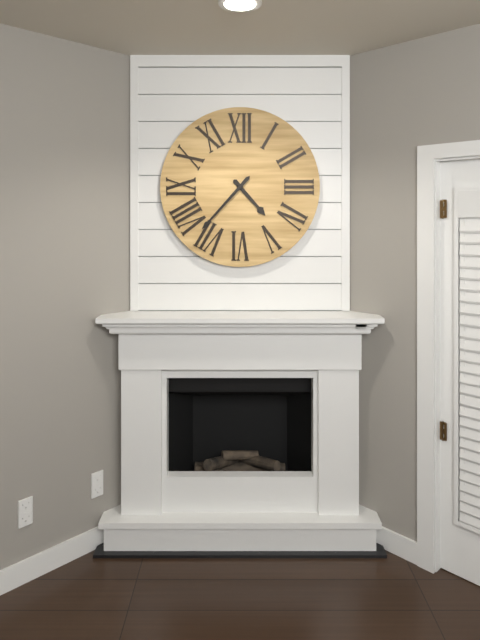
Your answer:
4:37
